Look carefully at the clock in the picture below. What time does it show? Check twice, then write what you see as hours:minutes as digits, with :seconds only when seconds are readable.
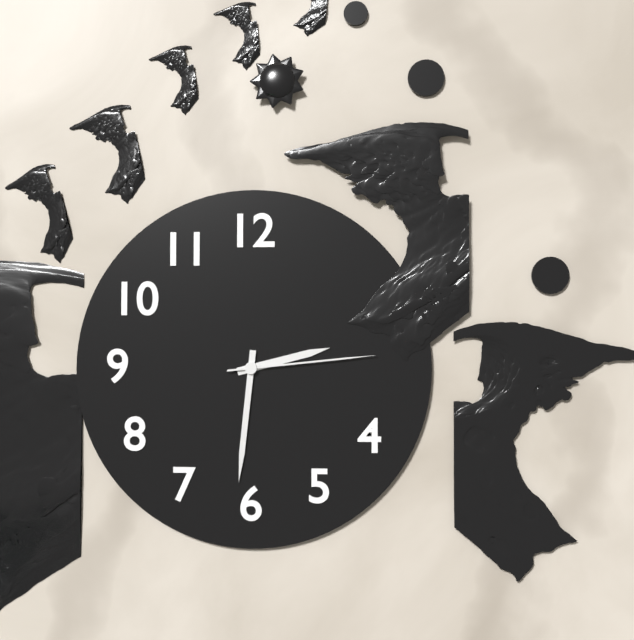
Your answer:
2:31:14
